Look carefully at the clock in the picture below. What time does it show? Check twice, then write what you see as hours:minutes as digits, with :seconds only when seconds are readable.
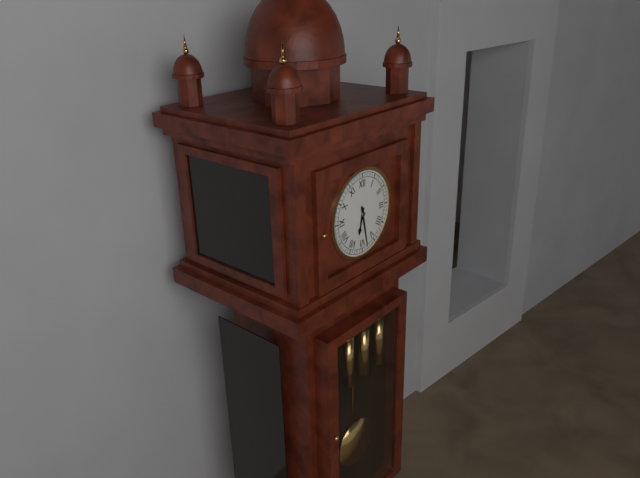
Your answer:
6:28
